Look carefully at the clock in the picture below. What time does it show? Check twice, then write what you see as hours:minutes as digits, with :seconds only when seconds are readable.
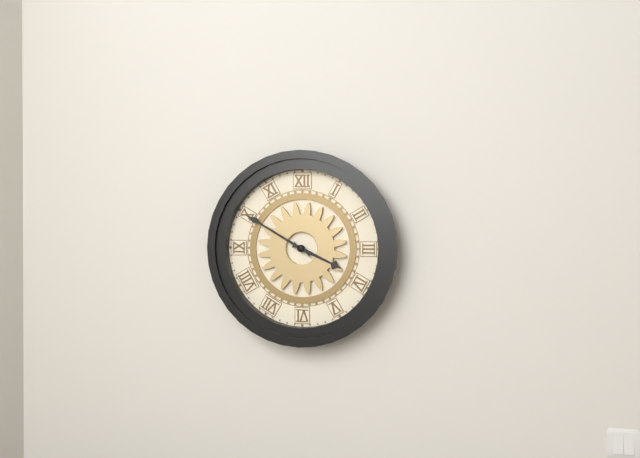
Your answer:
3:50
